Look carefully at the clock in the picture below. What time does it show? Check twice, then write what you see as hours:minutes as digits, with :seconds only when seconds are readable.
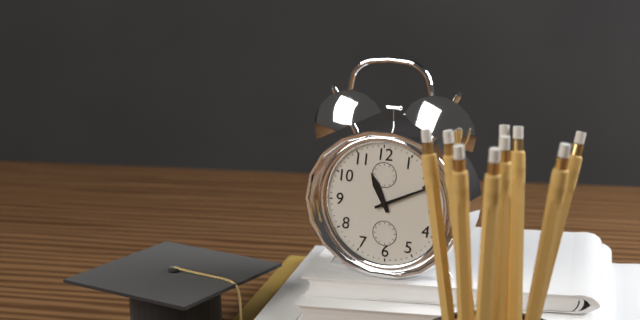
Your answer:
11:11
